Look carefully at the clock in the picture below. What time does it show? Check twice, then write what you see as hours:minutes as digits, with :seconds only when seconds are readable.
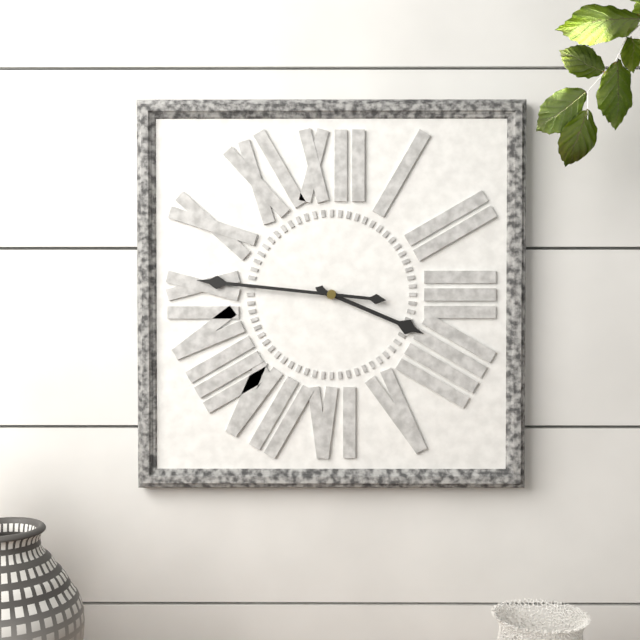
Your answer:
3:46
